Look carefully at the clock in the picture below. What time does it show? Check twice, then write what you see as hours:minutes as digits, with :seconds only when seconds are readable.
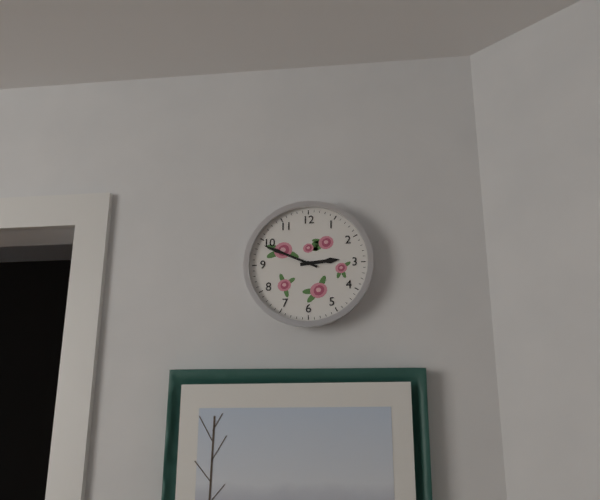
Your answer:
2:49
